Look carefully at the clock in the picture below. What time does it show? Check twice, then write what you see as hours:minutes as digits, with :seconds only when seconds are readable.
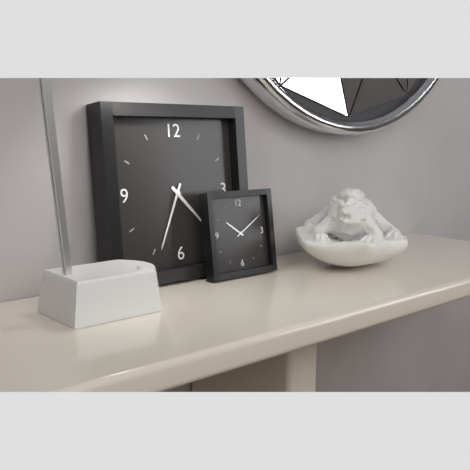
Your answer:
4:34
